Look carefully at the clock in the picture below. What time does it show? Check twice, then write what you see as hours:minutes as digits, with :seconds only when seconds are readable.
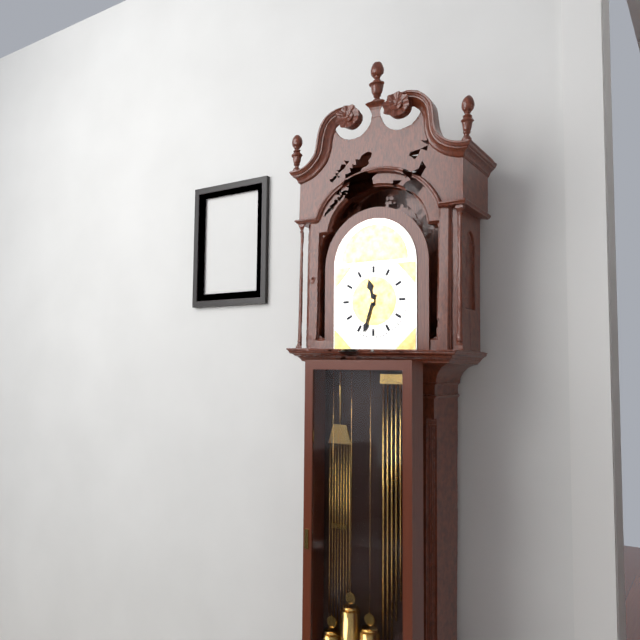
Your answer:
11:33
